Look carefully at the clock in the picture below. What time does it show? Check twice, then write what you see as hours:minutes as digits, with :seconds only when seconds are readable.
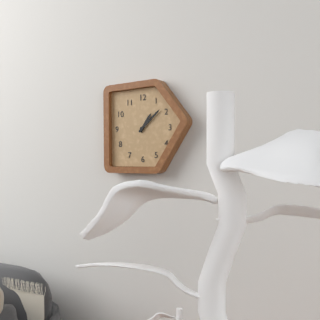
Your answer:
1:08
